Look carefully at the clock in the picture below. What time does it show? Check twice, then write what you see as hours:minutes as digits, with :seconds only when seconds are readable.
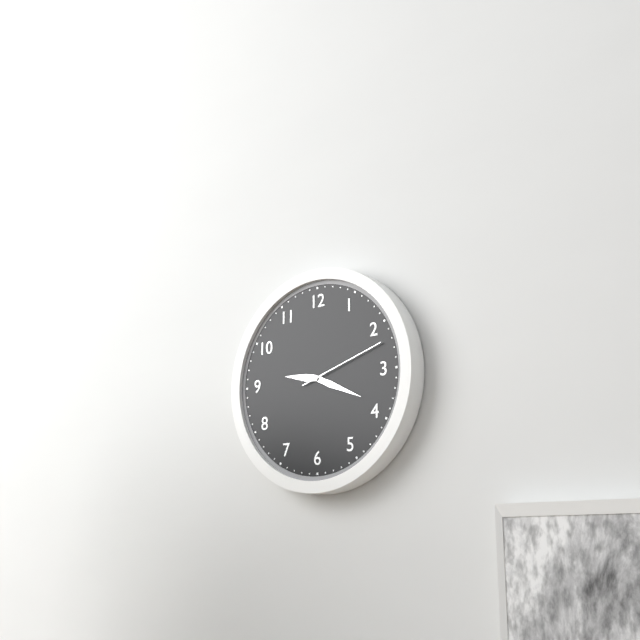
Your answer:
9:19:12
